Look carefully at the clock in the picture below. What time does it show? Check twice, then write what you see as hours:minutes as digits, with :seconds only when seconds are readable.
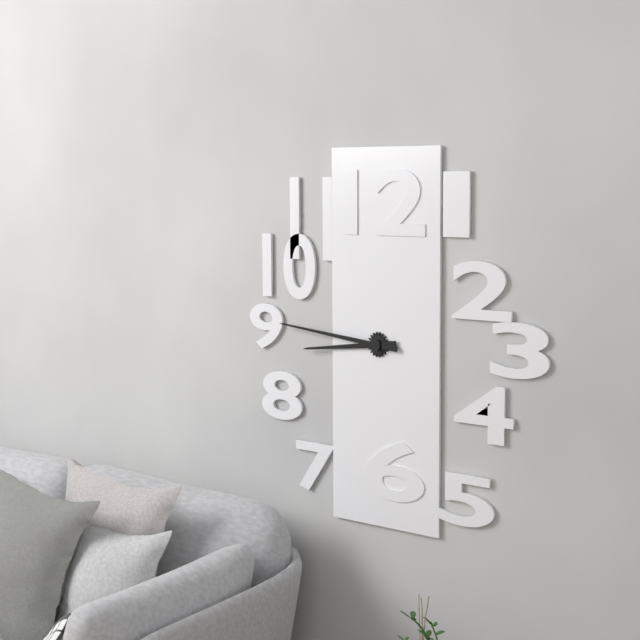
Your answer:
8:46
